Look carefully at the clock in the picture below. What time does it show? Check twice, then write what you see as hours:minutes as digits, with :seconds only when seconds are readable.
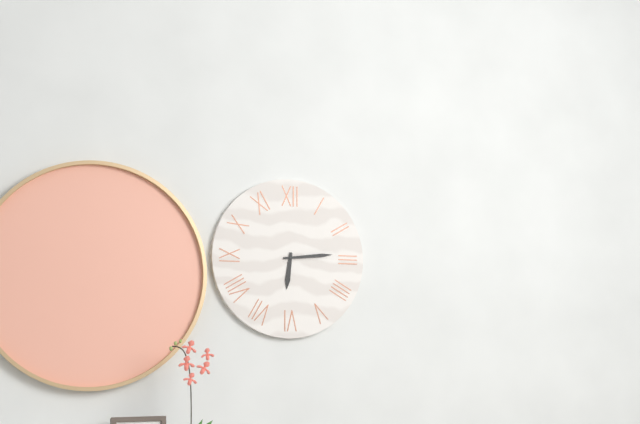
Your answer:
6:14
